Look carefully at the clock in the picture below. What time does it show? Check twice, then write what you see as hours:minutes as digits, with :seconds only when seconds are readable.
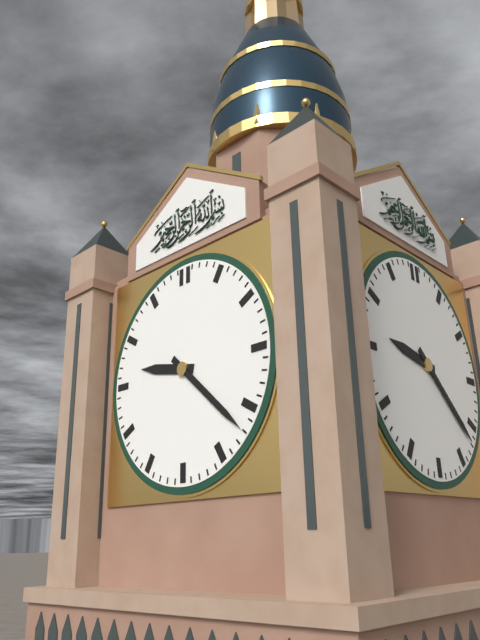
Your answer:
9:22
